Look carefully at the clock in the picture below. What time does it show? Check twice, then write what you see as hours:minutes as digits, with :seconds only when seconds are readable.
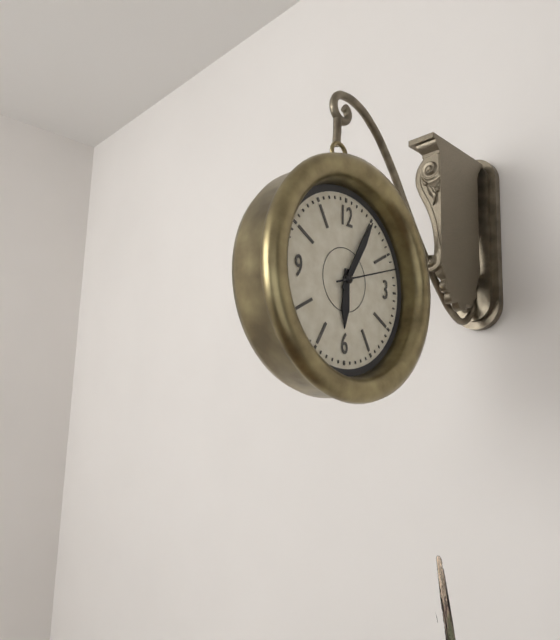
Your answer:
6:05:12
